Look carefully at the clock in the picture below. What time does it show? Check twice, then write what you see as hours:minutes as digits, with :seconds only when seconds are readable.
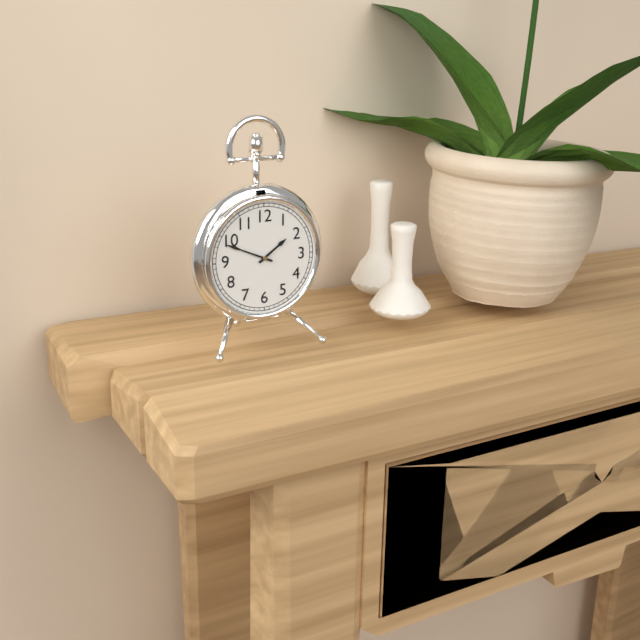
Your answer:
1:49
